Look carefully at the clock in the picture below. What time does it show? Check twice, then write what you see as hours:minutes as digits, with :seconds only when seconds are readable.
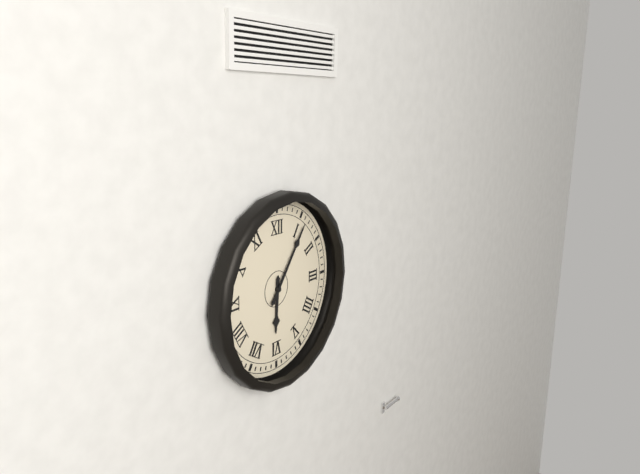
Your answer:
6:06
